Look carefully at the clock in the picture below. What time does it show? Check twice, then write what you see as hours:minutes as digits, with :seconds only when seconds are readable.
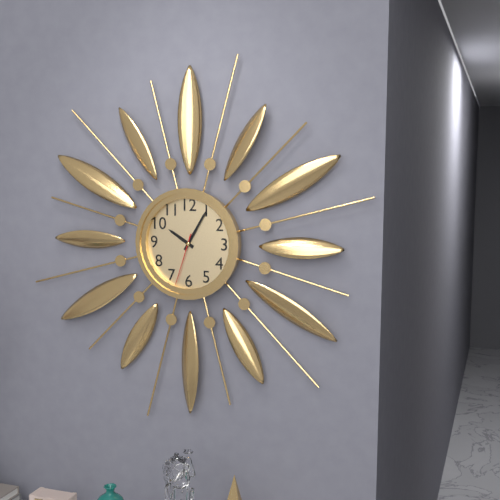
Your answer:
10:05:33
